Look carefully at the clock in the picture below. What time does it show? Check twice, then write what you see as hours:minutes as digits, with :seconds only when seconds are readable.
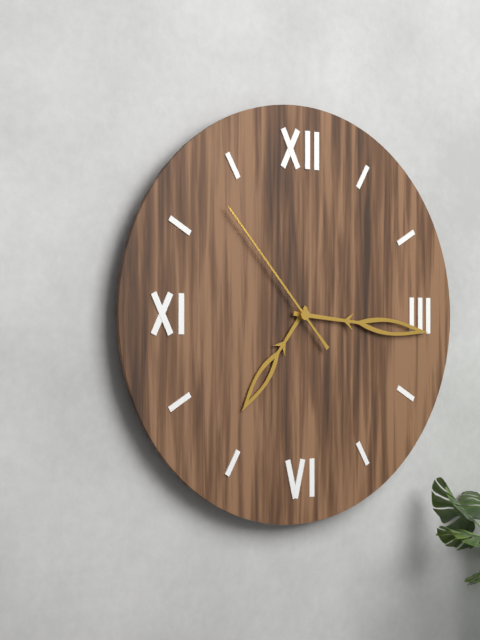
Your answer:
7:16:53
